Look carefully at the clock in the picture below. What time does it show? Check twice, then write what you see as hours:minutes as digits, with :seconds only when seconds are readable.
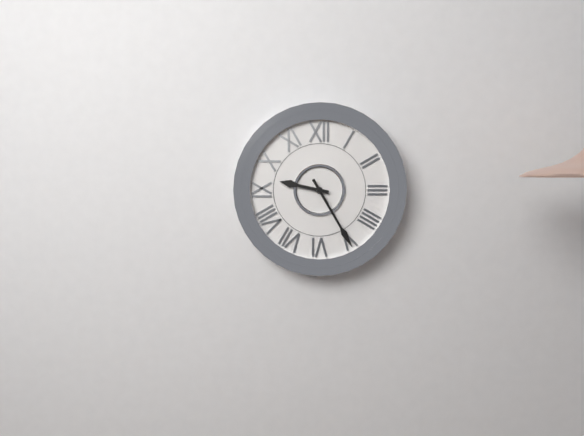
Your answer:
9:25
